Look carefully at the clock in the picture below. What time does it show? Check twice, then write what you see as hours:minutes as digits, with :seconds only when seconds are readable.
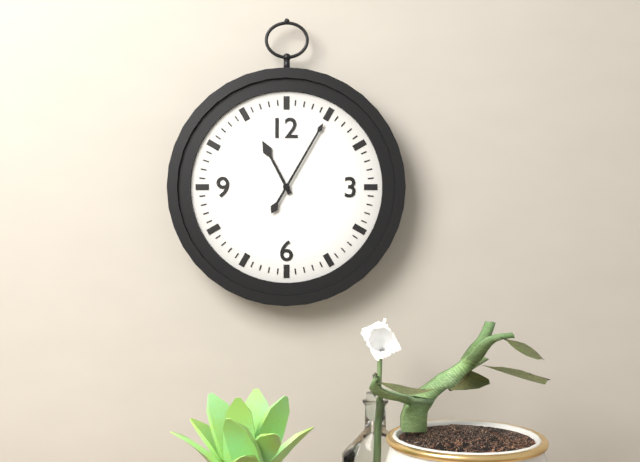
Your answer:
11:05
